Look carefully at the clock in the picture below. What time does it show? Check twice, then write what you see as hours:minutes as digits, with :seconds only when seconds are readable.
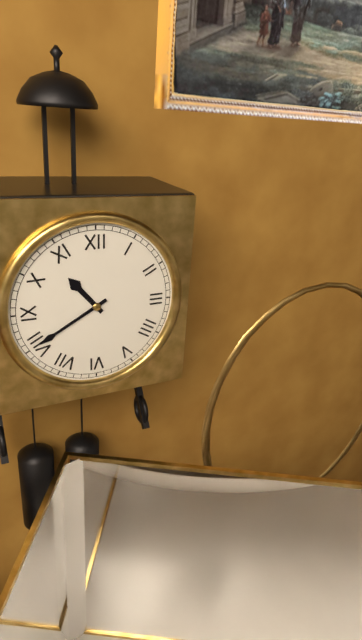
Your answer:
10:40
